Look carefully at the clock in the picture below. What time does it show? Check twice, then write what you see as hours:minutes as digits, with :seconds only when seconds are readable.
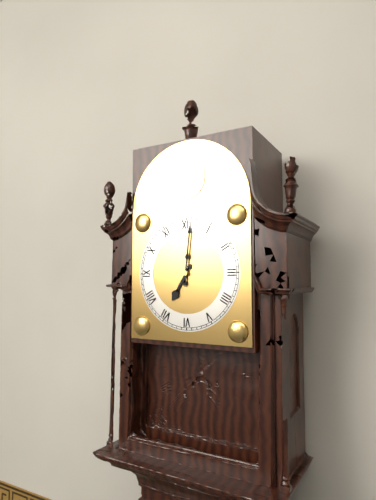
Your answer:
7:01
